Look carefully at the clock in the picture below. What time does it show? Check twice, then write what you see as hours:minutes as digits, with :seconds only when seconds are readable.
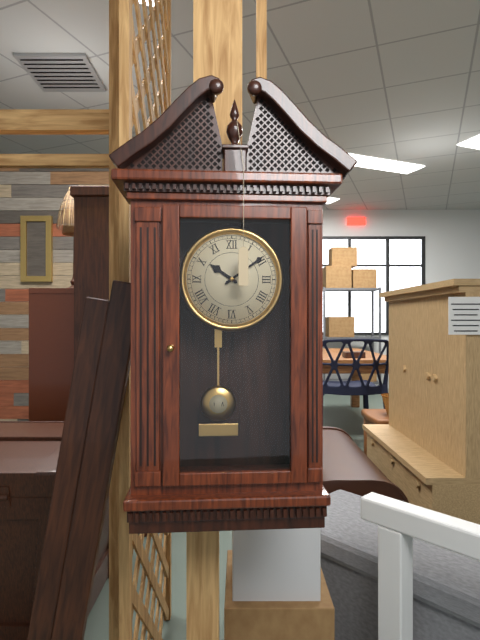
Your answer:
10:09
